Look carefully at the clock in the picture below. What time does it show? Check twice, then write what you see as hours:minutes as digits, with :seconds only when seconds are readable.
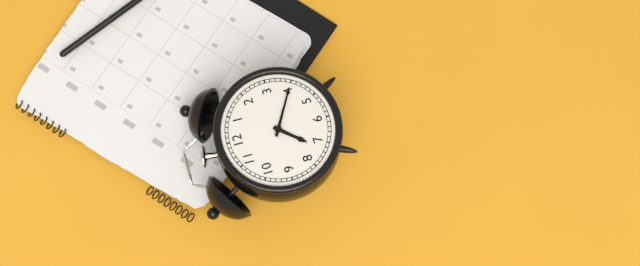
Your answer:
7:20
